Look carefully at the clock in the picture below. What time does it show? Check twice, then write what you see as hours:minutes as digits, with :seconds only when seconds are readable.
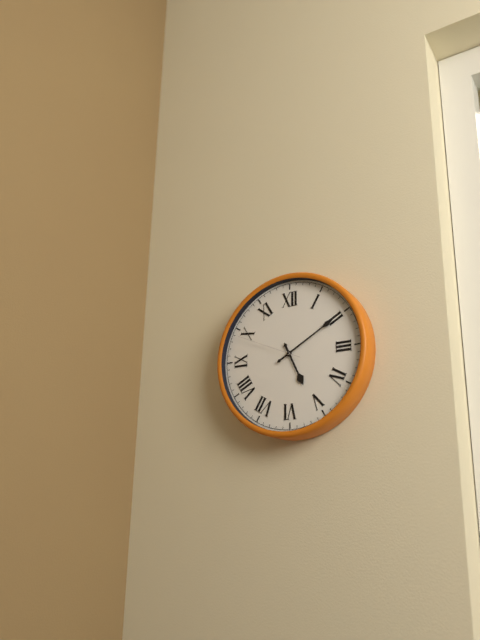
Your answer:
5:10:49
